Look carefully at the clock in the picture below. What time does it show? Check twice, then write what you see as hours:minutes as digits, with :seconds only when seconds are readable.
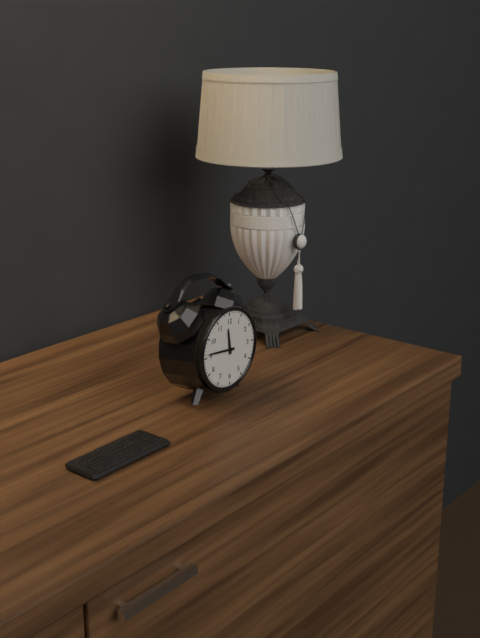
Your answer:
11:46
